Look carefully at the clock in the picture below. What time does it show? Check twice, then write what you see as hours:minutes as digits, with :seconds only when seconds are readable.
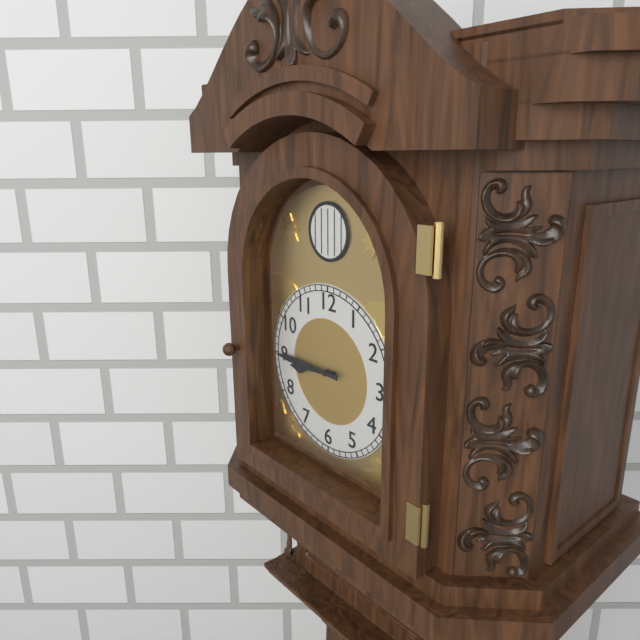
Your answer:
8:45
